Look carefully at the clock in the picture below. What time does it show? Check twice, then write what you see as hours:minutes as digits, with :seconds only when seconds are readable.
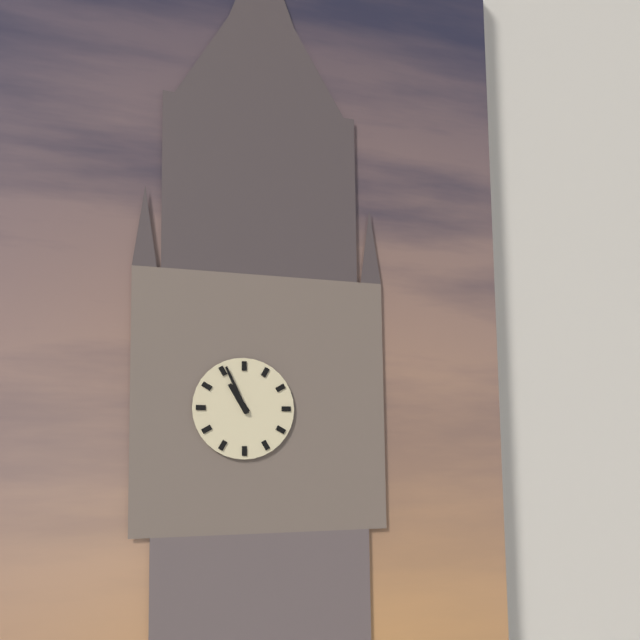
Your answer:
10:56
